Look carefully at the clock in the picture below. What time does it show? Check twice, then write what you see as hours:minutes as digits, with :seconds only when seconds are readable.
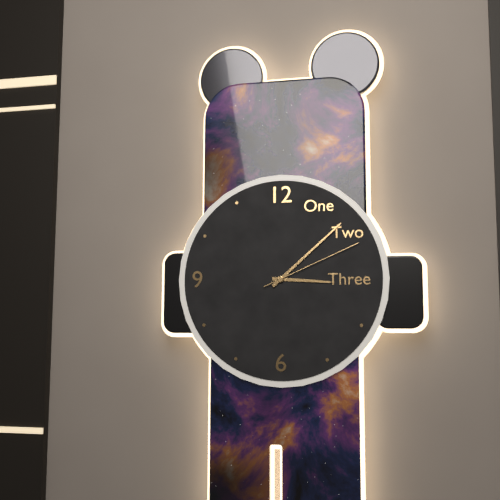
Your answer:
3:08:11
